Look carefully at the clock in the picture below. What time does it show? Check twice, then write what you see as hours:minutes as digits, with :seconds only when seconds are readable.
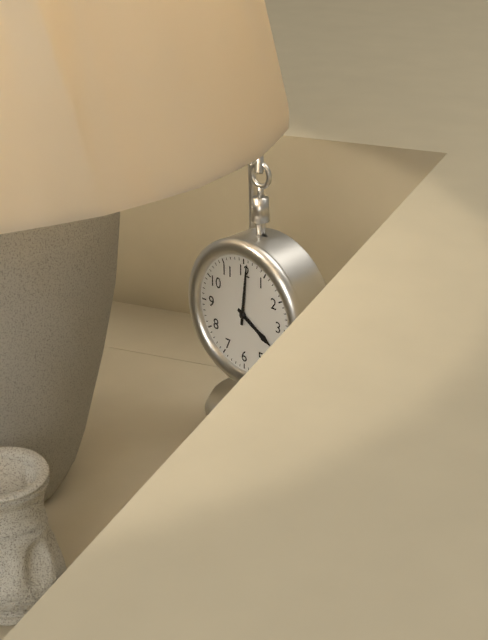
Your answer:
4:01
